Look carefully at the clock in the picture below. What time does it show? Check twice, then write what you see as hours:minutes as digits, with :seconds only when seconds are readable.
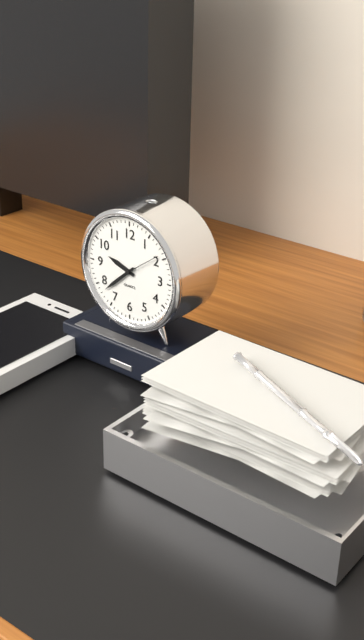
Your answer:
9:38
